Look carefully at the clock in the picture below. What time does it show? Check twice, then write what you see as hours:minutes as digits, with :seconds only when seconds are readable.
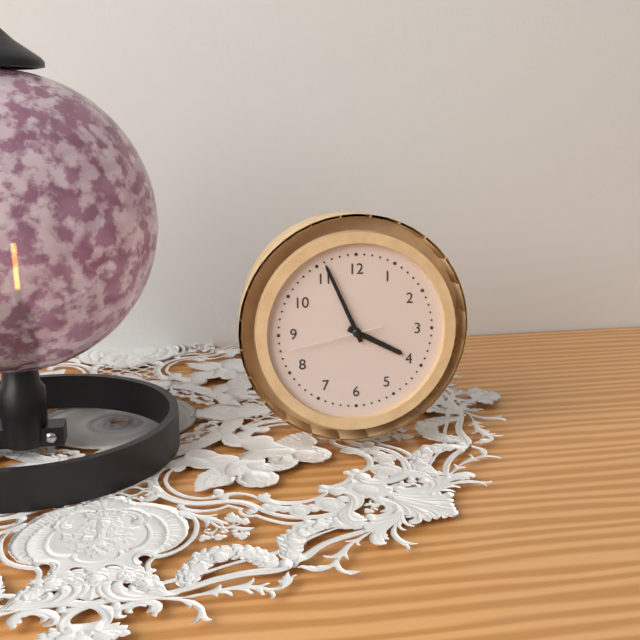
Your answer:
3:56:43
